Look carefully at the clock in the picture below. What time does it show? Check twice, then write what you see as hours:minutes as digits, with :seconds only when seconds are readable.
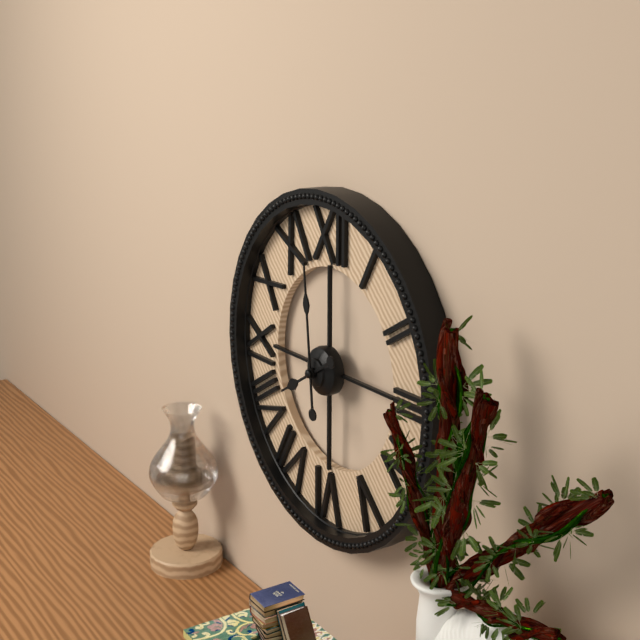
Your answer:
7:59
